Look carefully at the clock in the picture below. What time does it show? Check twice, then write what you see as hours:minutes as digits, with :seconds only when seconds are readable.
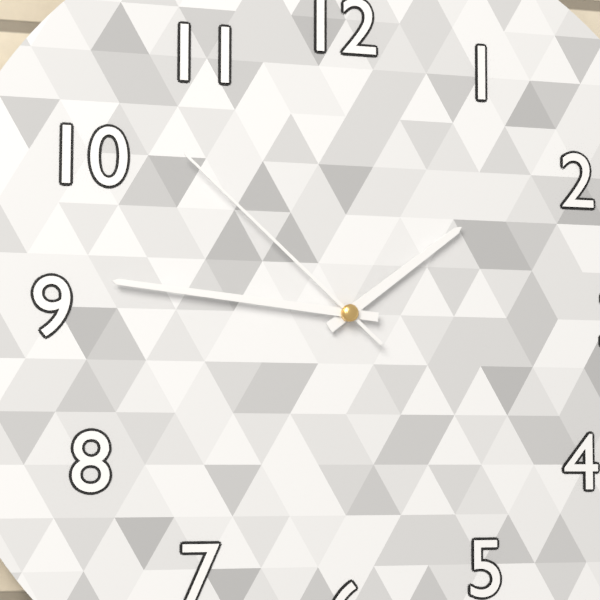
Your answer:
1:46:52
